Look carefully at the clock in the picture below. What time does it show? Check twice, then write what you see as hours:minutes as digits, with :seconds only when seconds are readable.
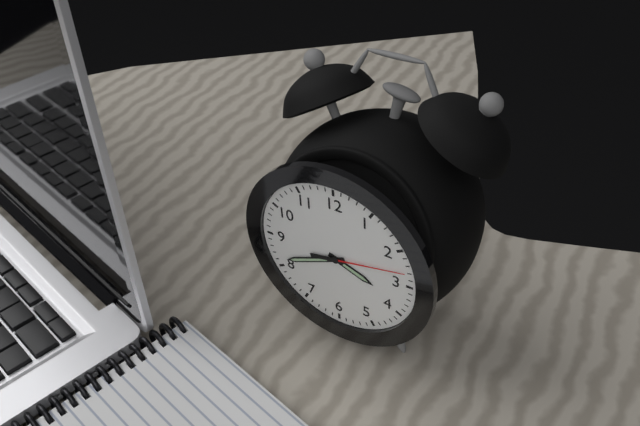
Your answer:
3:41:13
